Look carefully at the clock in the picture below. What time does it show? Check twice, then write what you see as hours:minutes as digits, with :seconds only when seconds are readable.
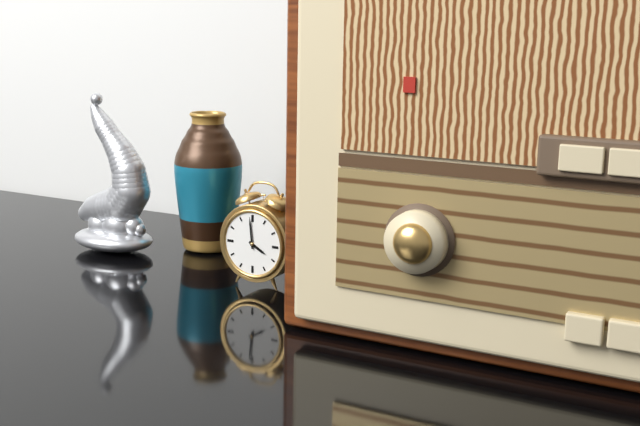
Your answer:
3:59
